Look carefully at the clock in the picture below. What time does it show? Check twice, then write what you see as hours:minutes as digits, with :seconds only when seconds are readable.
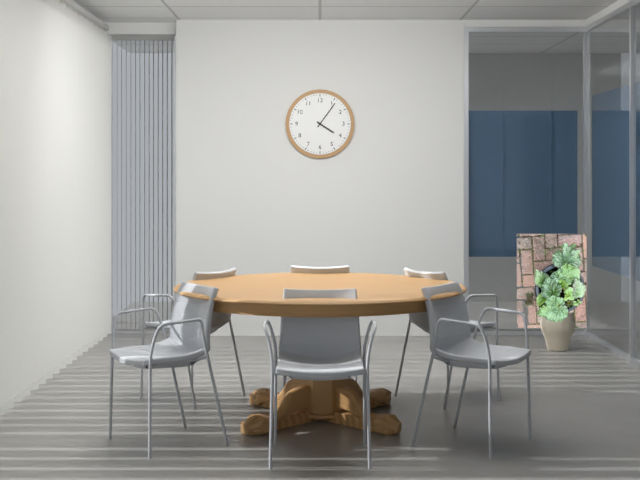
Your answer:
4:06
